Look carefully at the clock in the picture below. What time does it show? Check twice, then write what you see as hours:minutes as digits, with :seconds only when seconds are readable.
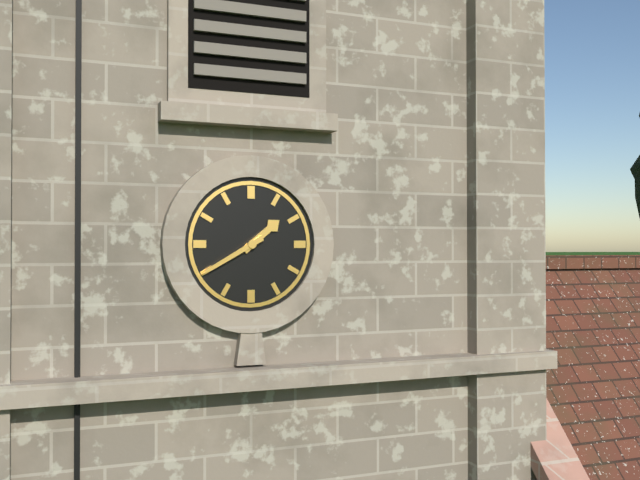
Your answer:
1:40
